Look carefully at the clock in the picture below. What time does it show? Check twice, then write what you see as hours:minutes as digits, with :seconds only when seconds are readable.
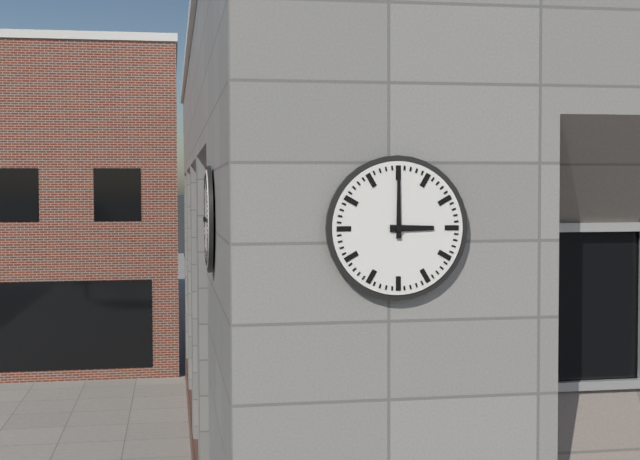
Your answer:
3:00
